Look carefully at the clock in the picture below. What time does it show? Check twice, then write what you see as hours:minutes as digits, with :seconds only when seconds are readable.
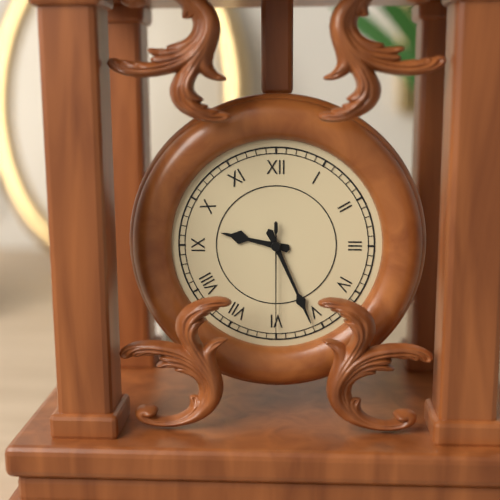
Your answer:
9:26:30
